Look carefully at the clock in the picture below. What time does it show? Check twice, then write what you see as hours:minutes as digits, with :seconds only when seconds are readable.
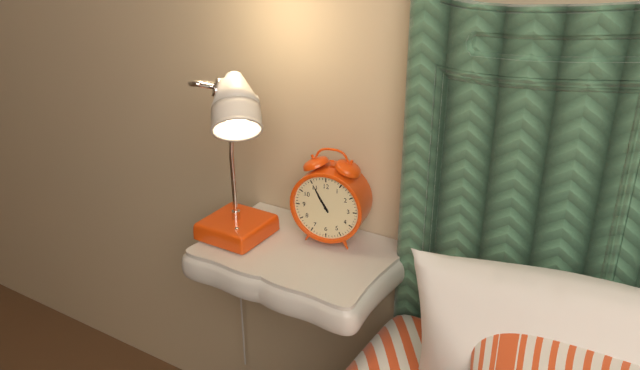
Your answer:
10:55
